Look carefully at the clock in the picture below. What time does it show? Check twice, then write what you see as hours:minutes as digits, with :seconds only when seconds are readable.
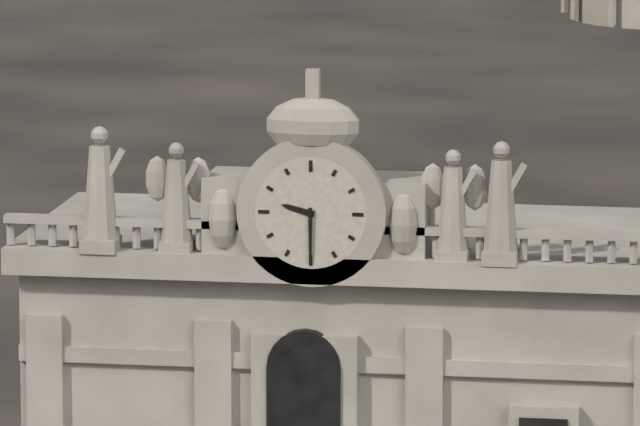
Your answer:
9:30
